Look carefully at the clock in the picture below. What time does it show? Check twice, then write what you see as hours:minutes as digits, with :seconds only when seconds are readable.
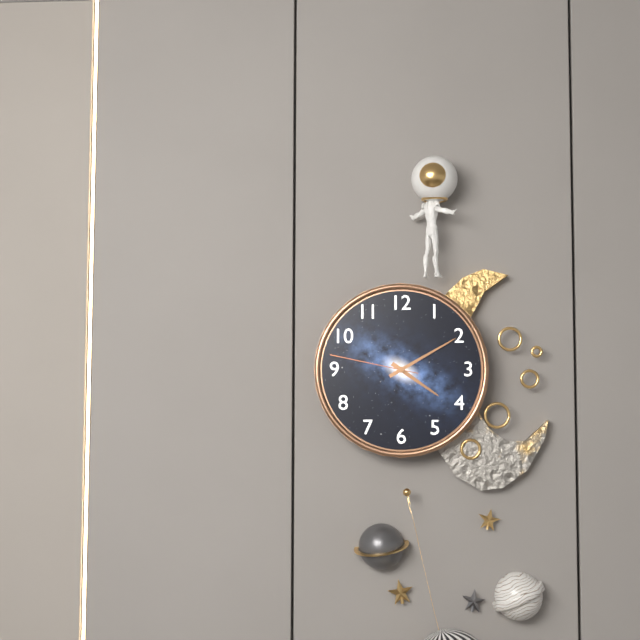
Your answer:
4:10:47
